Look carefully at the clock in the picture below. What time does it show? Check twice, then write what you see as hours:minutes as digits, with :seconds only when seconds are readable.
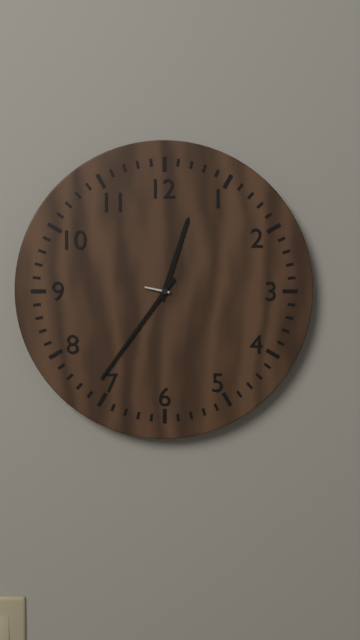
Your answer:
12:36
